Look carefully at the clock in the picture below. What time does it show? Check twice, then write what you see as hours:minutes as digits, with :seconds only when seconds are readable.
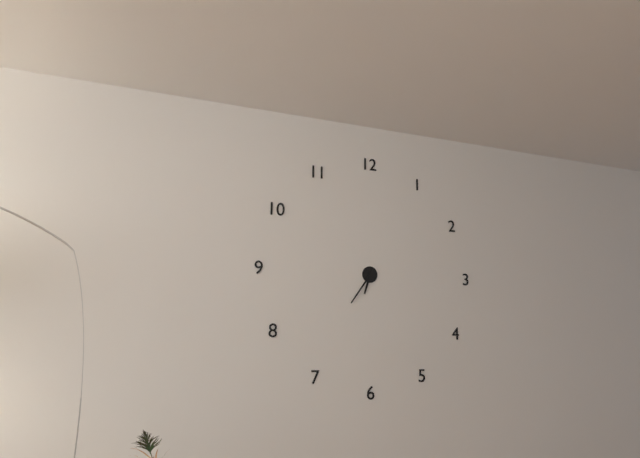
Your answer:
6:36
